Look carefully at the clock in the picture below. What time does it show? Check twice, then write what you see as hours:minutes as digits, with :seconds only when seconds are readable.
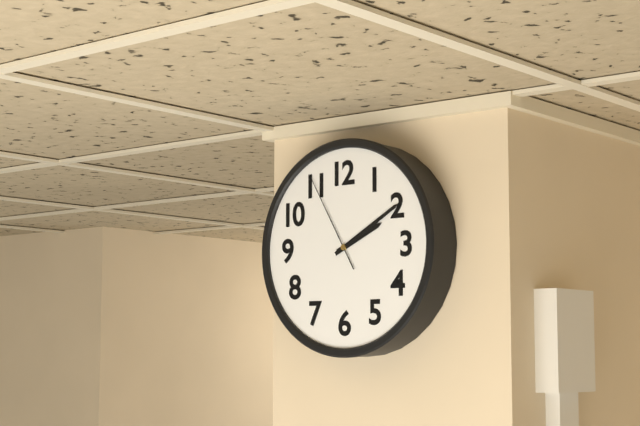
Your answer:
2:10:55
